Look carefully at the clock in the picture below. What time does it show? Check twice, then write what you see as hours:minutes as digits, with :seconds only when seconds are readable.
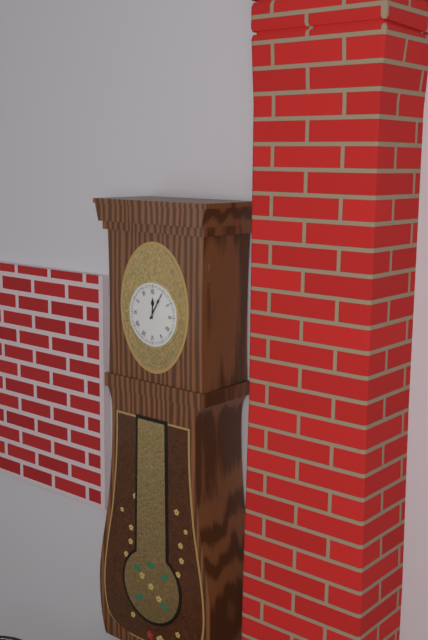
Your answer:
12:05
